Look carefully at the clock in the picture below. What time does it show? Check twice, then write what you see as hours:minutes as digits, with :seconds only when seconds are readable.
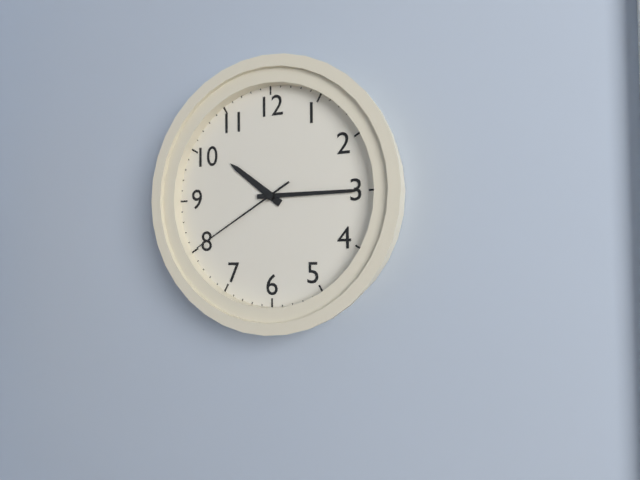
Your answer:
10:15:40
